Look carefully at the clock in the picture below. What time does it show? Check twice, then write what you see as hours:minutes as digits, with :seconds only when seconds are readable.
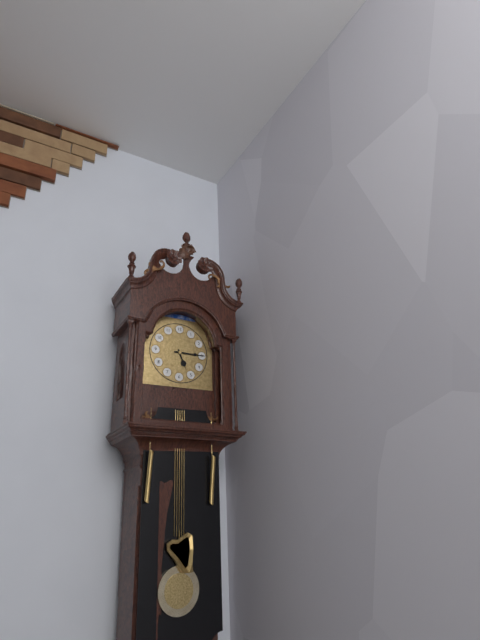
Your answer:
5:15
